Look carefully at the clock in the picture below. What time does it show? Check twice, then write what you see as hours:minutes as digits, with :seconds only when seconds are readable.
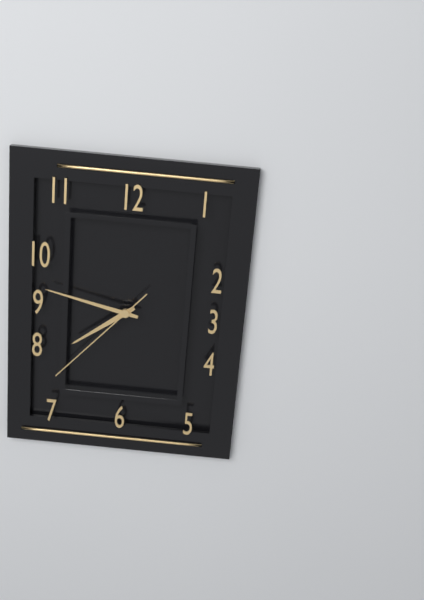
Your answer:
7:47:37
